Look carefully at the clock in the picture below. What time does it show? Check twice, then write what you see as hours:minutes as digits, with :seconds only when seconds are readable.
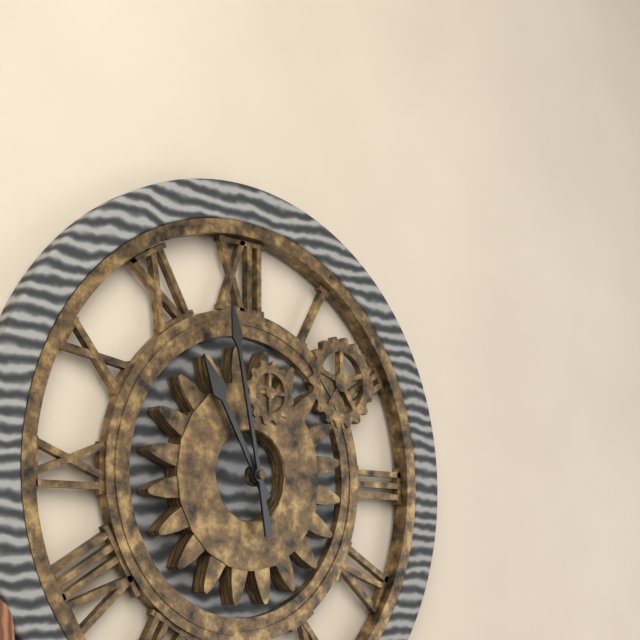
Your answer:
10:58
